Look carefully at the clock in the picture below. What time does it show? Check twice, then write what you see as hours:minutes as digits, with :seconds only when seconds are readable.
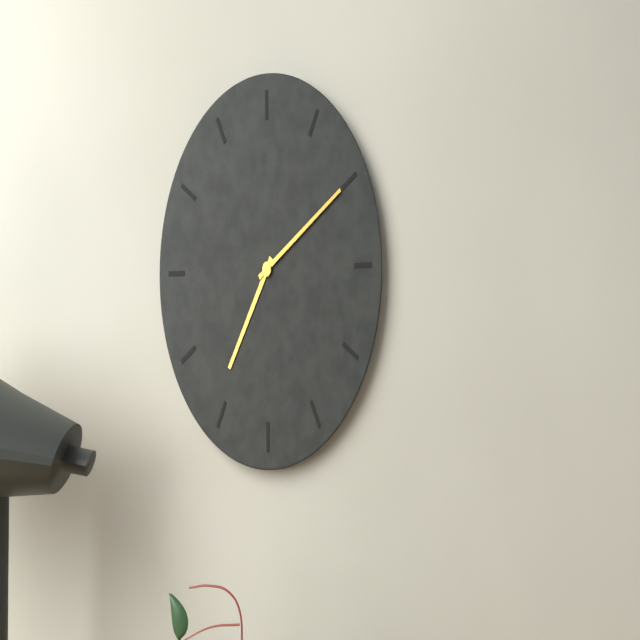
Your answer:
7:10
